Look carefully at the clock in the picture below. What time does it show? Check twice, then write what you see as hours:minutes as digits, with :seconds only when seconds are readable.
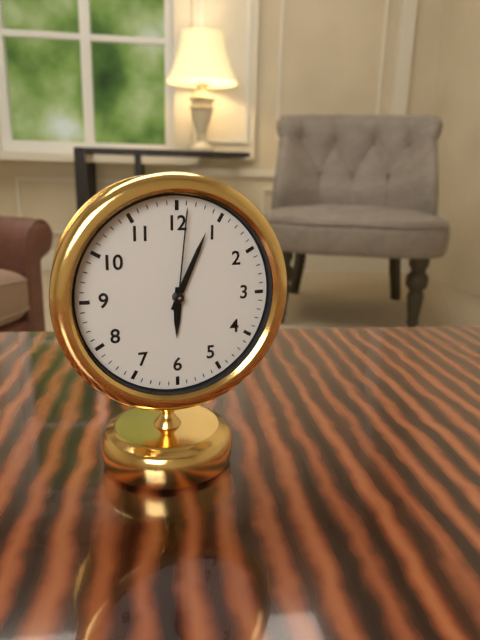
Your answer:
6:04:01
